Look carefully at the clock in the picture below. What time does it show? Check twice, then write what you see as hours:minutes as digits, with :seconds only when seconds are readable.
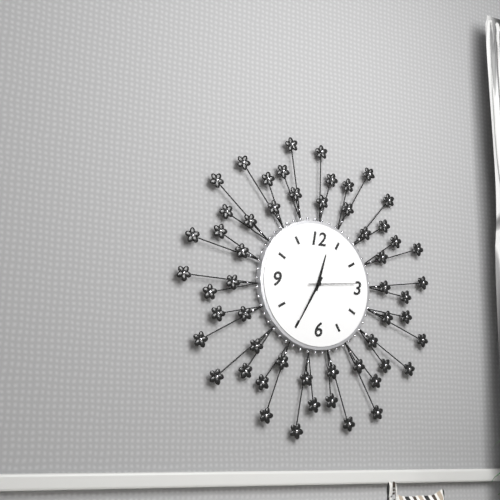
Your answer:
12:35
